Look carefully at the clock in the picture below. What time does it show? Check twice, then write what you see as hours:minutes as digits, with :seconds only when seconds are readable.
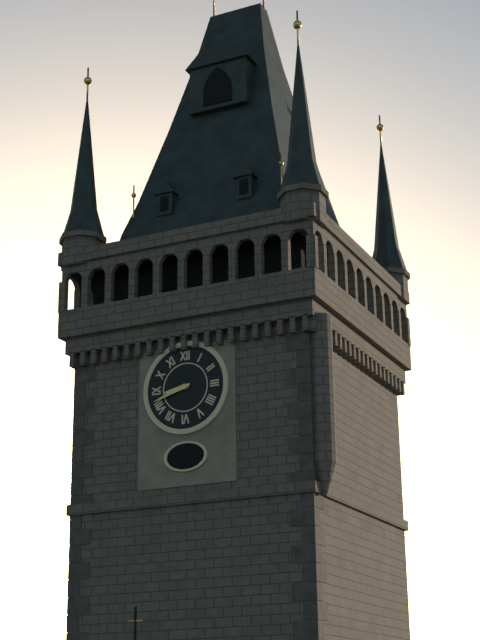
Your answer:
8:42
